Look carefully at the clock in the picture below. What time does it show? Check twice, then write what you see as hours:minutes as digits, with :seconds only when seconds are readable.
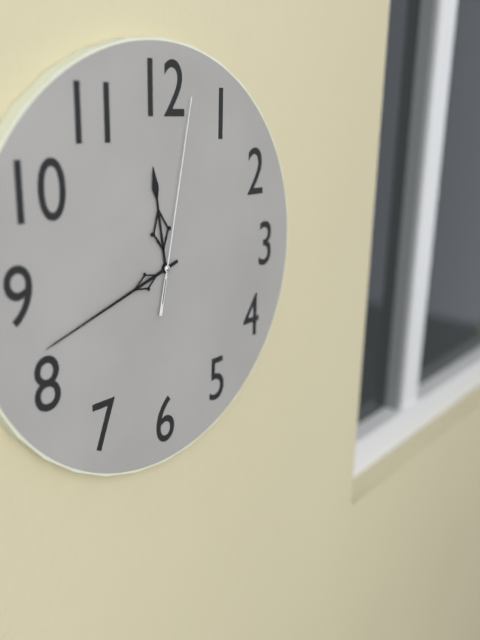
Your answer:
11:42:02
